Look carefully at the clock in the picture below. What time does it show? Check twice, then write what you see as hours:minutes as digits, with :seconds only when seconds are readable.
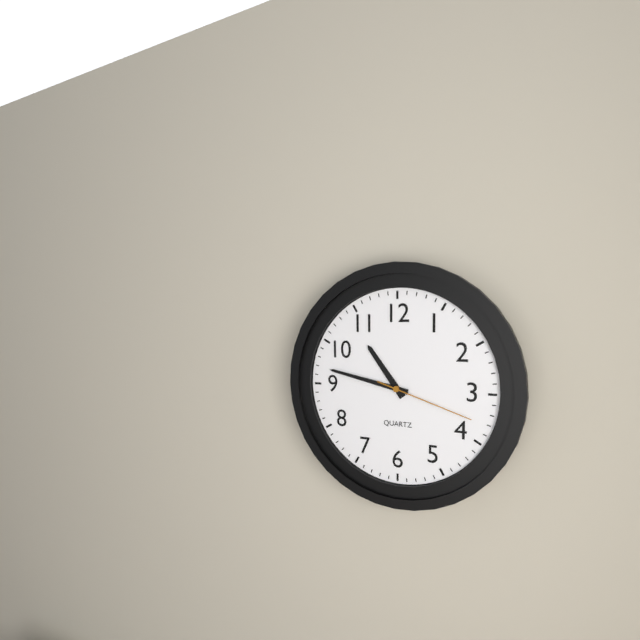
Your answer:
10:47:18
